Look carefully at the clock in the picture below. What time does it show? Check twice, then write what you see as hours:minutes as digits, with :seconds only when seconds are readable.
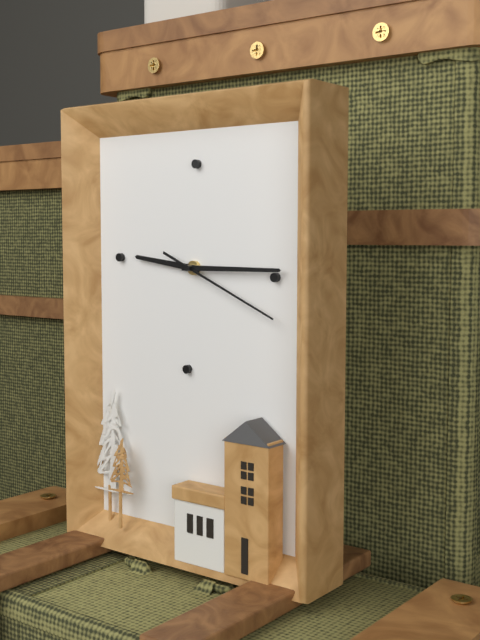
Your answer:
9:15:19
